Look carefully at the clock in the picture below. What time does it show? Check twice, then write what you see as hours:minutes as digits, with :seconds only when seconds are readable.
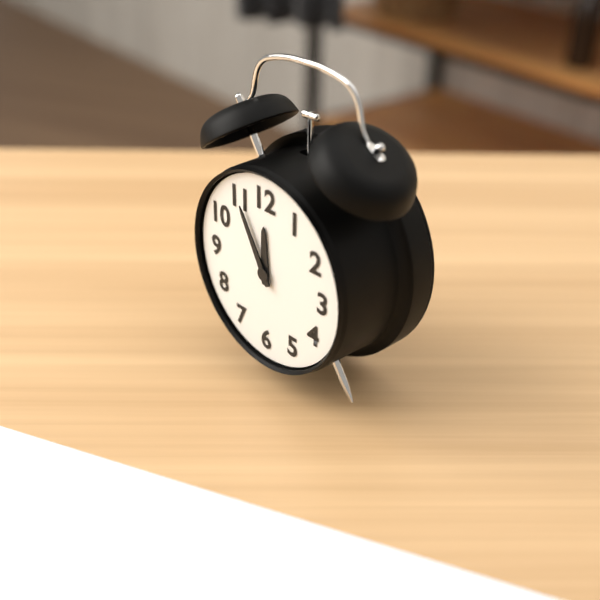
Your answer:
11:55
